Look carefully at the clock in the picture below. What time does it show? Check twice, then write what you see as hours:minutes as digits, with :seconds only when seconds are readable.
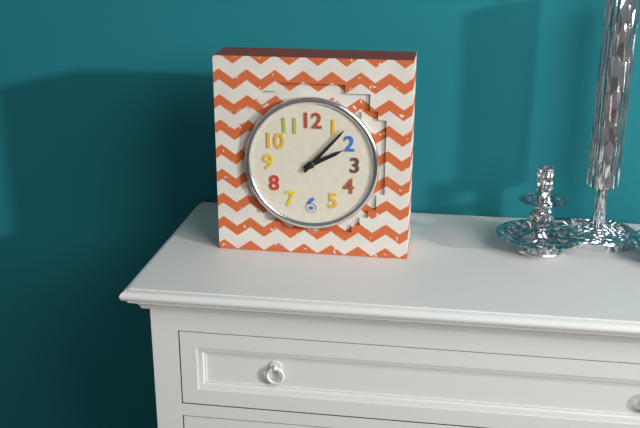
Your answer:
2:07
